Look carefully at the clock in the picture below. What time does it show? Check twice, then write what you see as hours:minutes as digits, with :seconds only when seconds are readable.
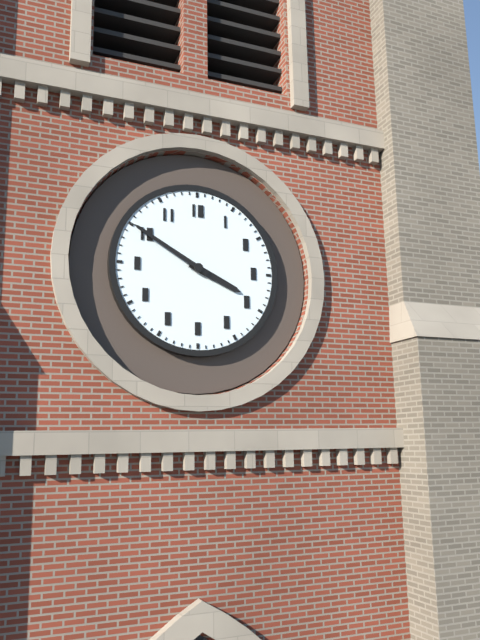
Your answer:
3:50
